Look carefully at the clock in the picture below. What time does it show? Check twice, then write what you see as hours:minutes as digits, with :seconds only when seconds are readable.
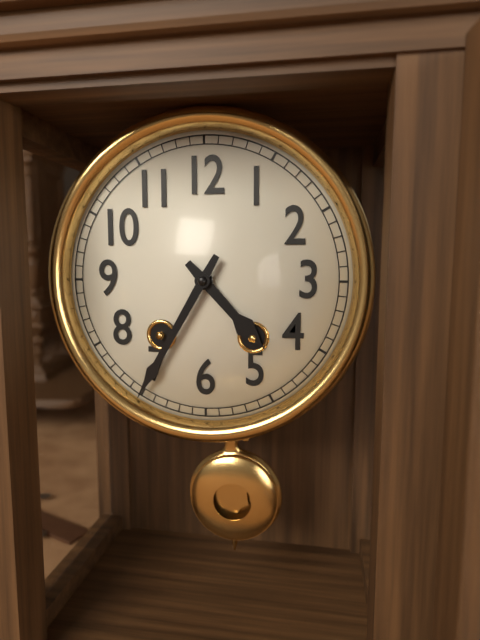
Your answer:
4:35
